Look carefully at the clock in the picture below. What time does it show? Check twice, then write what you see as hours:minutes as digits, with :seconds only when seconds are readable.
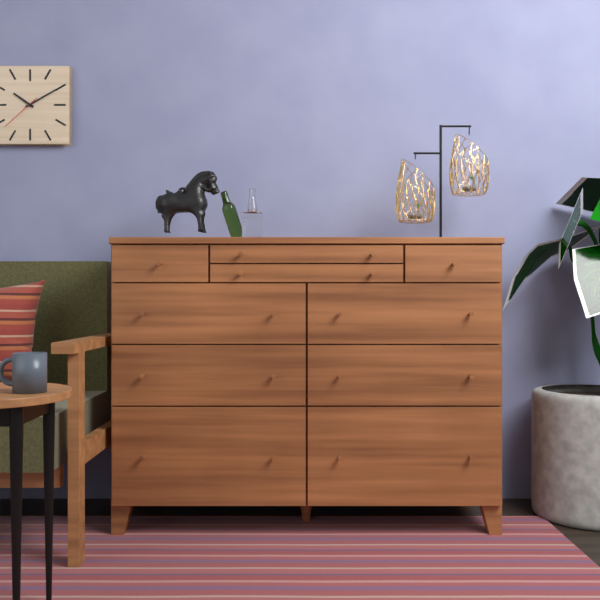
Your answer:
10:10
